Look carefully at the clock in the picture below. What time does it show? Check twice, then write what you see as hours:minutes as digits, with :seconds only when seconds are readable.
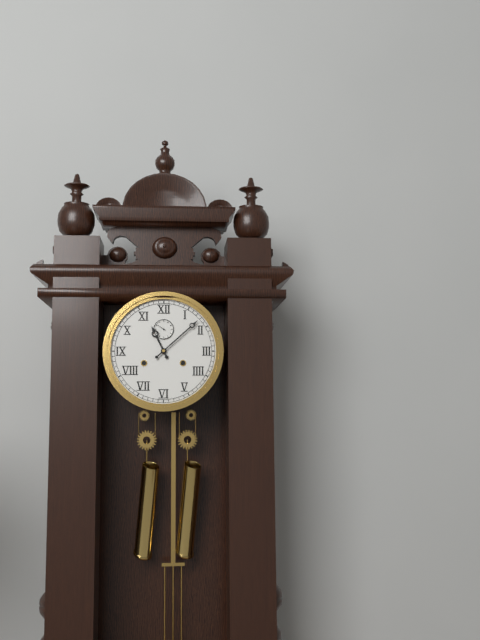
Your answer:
11:08
